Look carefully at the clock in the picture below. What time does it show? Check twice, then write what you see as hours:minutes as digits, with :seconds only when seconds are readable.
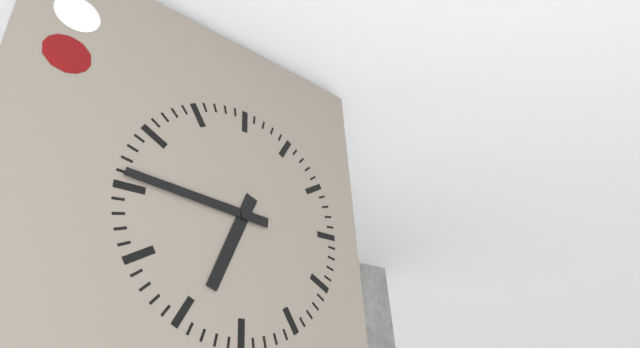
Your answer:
6:46
